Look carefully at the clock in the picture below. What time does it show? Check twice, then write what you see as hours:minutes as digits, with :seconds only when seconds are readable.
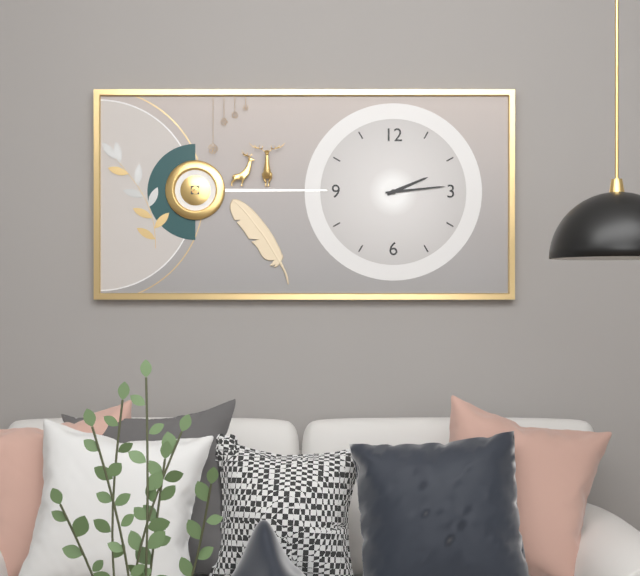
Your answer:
2:14
